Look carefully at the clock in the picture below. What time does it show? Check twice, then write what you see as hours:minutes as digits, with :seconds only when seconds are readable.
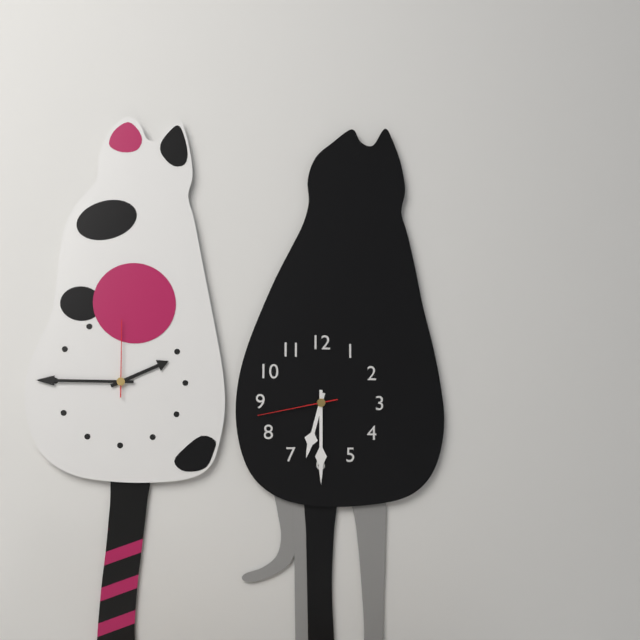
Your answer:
6:30:43
